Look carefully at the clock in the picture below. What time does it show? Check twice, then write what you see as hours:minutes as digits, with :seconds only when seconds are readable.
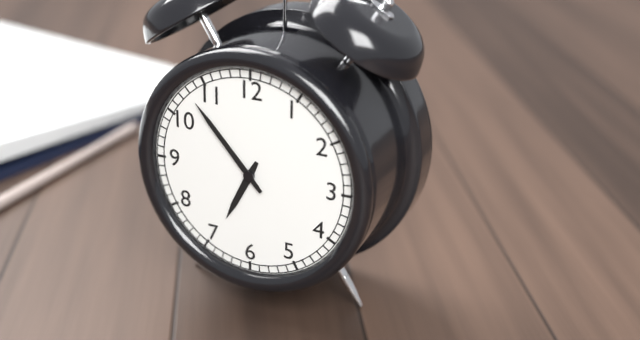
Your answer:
6:53
